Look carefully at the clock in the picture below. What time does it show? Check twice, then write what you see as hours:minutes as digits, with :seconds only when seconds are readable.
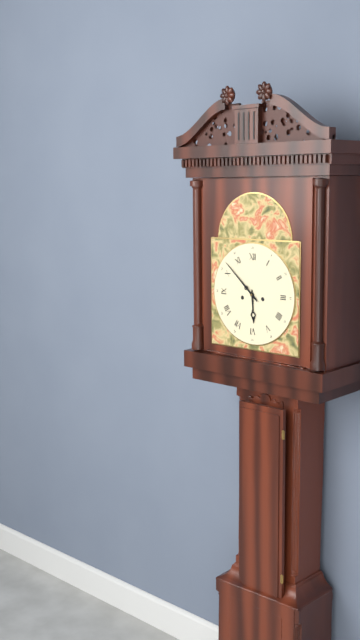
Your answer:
5:52
